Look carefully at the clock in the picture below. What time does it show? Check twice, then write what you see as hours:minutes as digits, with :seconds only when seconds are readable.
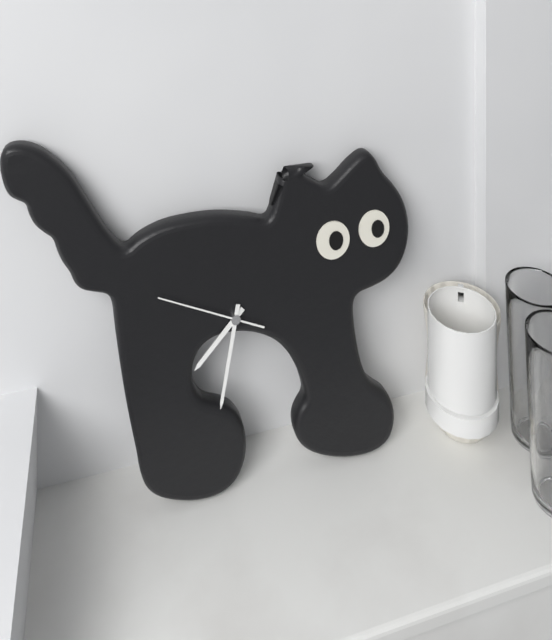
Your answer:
7:32:49
